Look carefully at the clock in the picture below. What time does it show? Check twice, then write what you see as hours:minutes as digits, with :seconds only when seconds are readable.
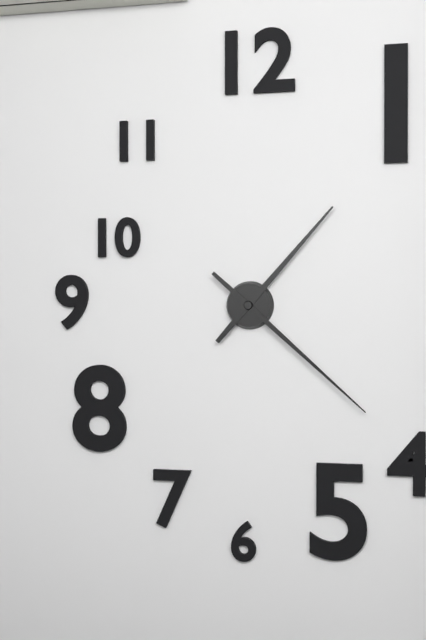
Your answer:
1:22
